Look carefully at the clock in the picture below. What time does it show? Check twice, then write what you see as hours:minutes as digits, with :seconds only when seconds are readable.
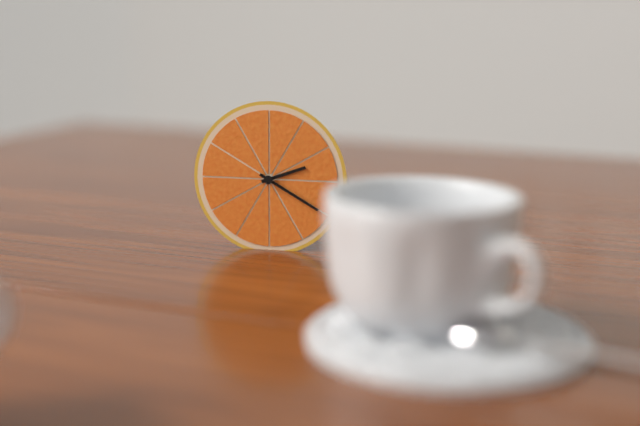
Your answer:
2:20
